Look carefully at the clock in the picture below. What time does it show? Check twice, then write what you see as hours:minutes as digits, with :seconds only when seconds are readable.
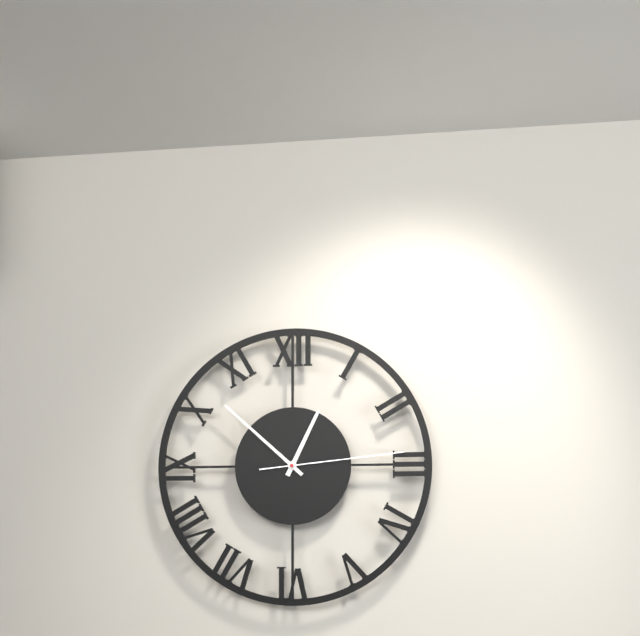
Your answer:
12:52:14
